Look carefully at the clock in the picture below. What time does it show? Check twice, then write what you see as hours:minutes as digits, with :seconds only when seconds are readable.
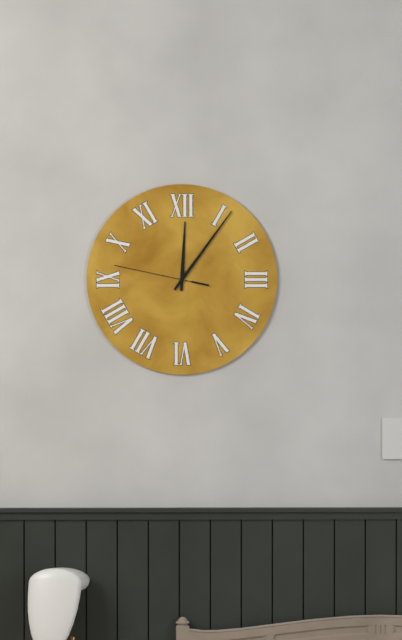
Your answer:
12:06:47
